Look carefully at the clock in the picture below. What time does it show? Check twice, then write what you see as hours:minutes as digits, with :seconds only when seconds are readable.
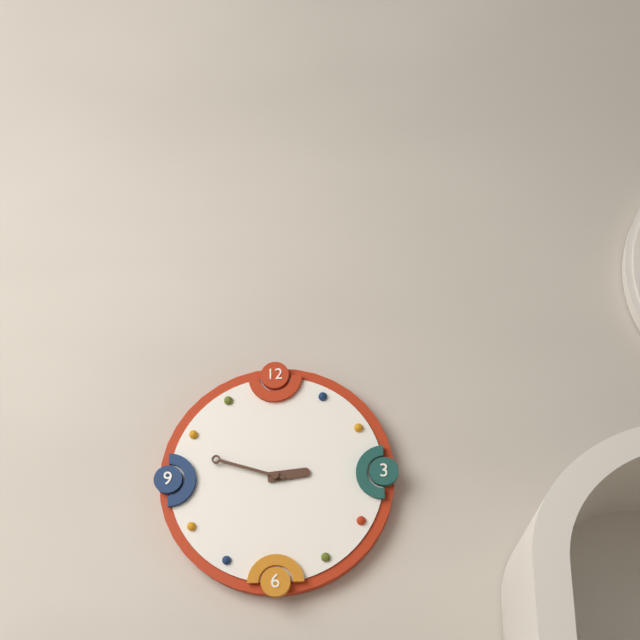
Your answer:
2:48
